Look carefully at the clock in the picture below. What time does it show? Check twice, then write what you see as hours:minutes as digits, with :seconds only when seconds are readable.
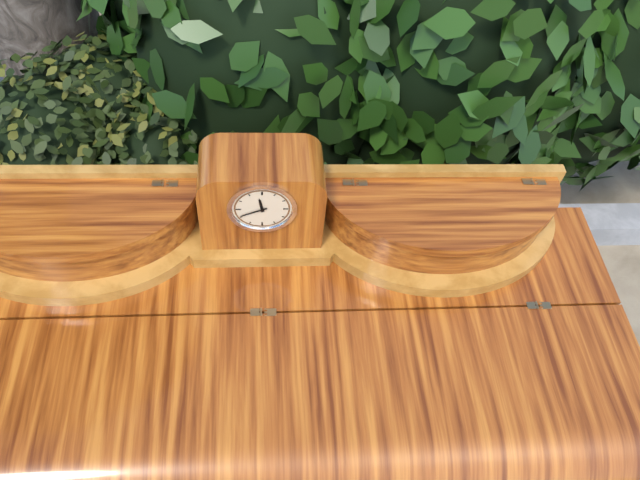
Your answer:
11:41
